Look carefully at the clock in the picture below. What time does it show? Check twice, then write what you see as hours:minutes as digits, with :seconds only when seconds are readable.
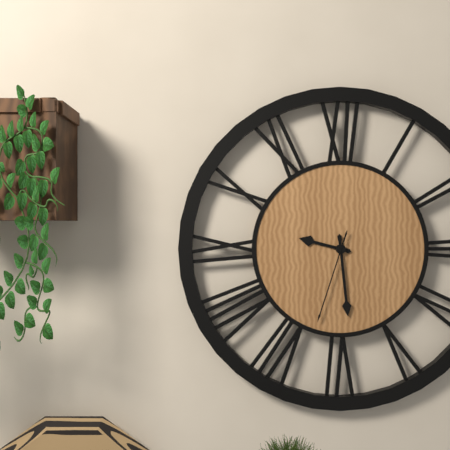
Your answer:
9:29:33
